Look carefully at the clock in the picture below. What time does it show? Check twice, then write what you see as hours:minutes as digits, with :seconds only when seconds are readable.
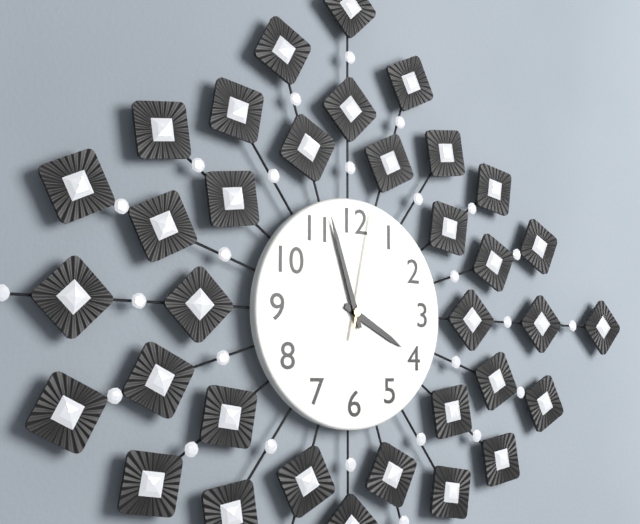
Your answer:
3:57:02
